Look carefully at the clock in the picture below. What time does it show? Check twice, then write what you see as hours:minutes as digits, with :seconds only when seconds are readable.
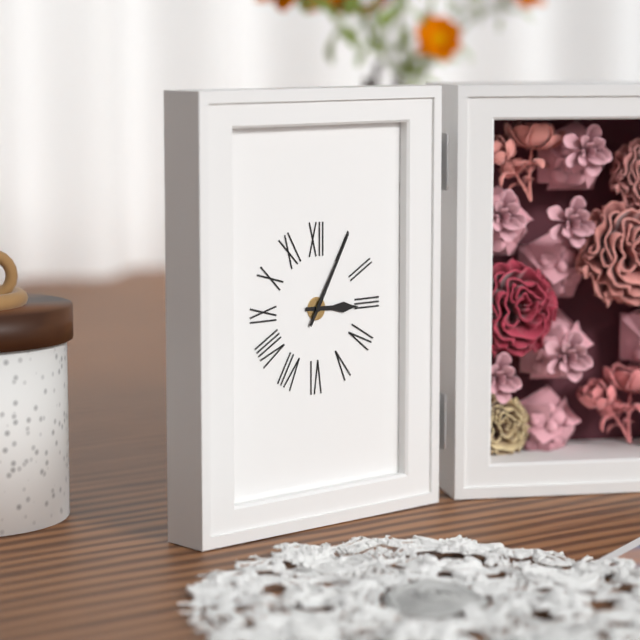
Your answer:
3:05
